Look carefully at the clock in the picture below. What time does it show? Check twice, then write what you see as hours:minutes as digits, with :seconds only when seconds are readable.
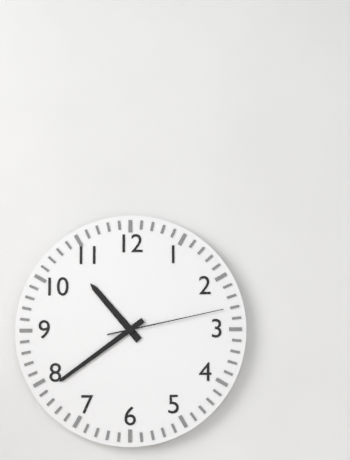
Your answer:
10:39:13
